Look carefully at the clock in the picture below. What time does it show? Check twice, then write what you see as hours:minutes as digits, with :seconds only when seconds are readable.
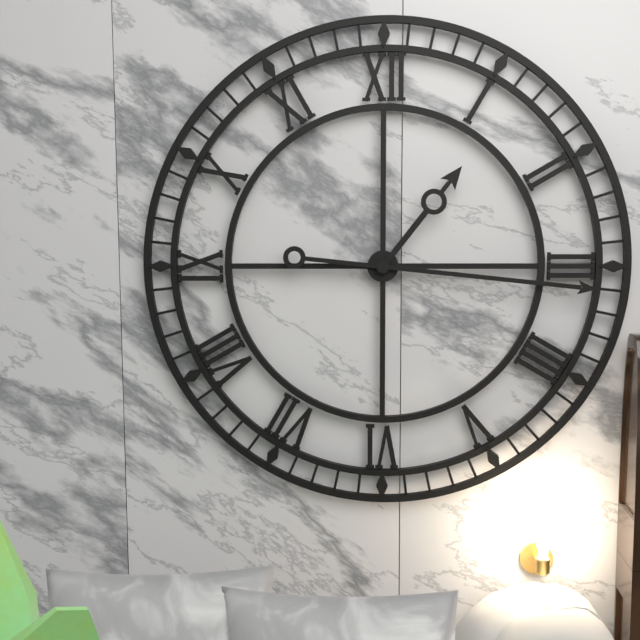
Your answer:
1:16
